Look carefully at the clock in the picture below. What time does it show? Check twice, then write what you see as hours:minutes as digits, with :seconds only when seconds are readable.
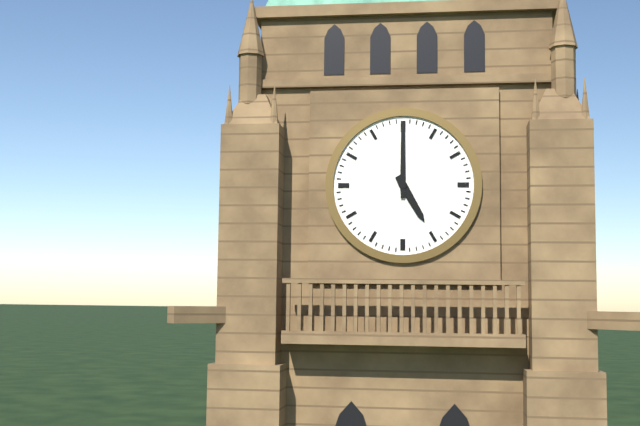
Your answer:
5:00
